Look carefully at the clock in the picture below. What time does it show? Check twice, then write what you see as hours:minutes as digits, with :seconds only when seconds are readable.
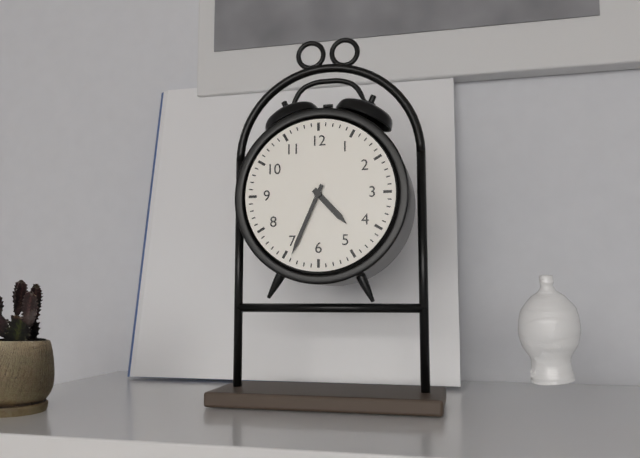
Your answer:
4:34
